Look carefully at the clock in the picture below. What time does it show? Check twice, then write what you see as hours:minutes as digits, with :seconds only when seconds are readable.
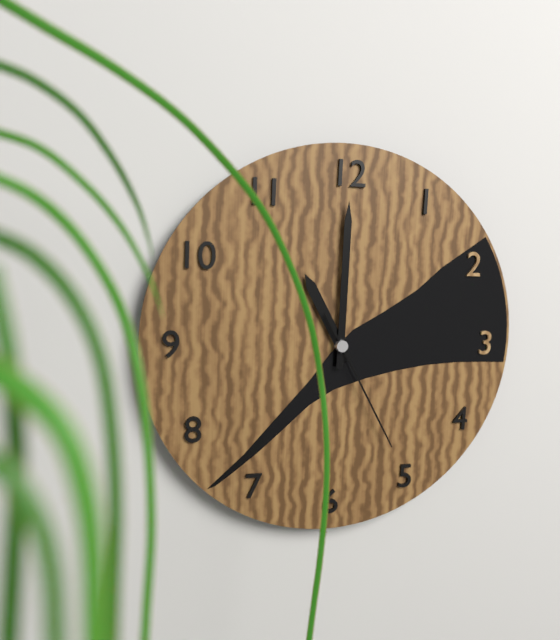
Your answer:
11:00:25
